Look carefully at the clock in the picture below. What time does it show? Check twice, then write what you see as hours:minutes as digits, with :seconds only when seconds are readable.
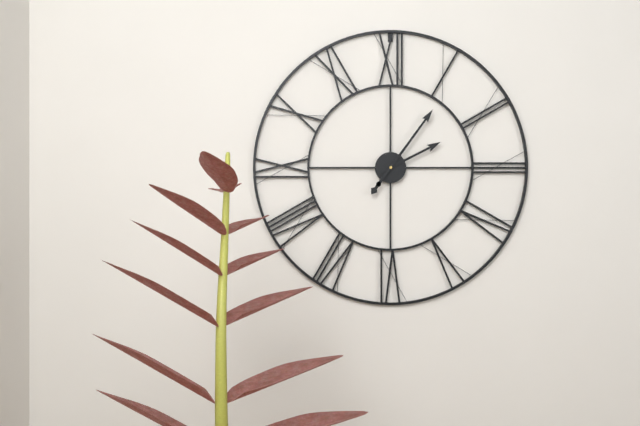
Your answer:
2:06
